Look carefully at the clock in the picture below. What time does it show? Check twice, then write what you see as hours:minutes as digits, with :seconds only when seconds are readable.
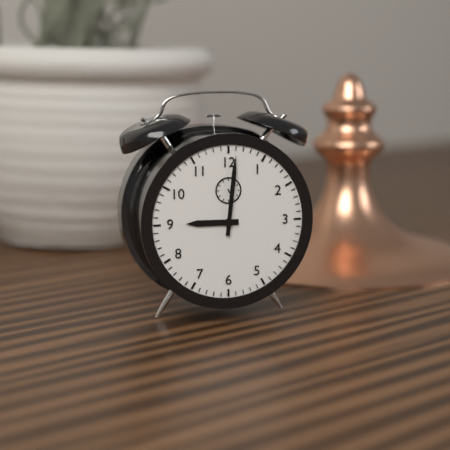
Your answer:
9:01
